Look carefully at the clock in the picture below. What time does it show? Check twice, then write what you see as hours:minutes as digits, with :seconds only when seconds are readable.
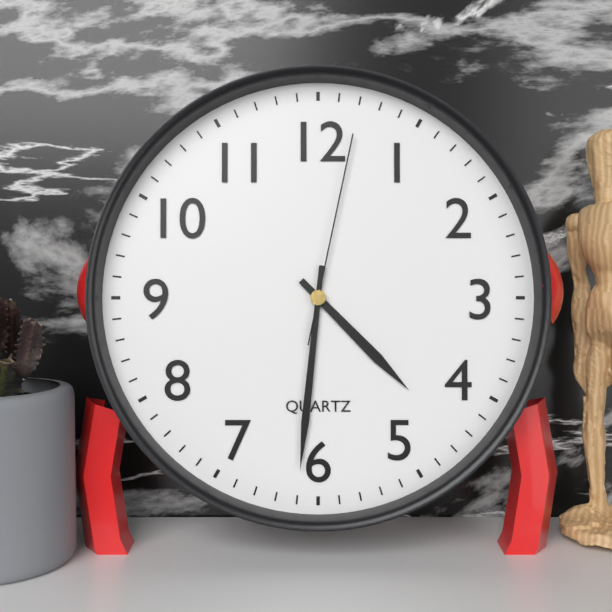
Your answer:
4:31:02
